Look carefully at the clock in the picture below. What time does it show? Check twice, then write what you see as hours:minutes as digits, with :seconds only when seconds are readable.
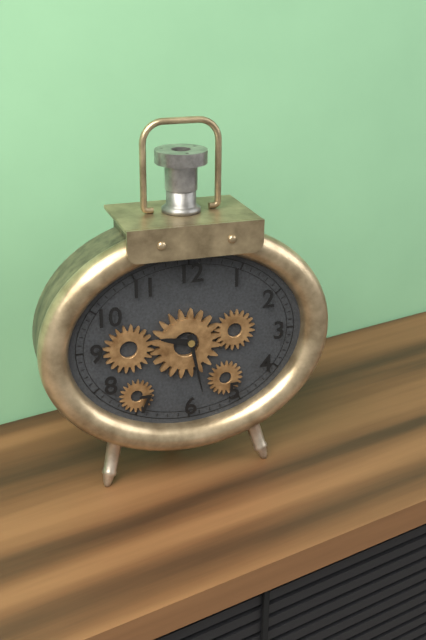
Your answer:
9:28
